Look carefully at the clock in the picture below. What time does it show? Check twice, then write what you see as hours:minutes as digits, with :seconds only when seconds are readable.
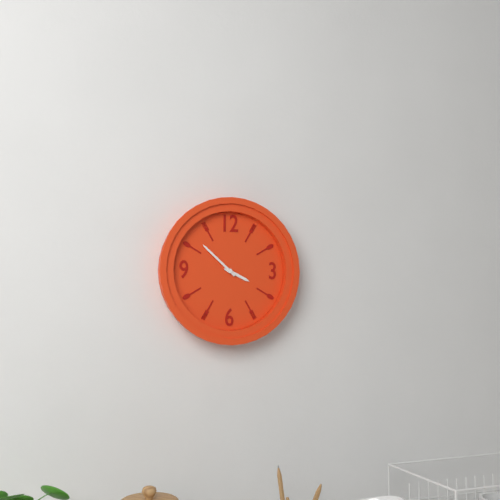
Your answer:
3:52
